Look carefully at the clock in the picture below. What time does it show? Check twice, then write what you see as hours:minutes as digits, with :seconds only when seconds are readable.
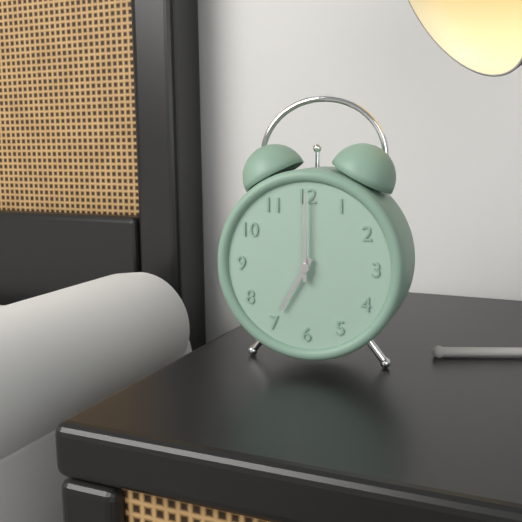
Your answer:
7:00
